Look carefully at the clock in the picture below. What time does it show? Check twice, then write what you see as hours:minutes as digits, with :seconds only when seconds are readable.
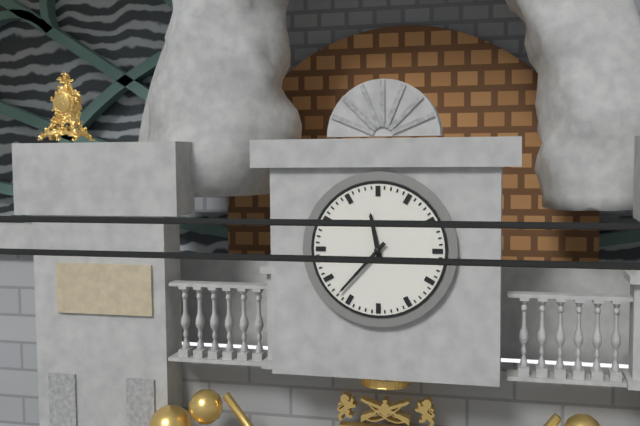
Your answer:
11:37
